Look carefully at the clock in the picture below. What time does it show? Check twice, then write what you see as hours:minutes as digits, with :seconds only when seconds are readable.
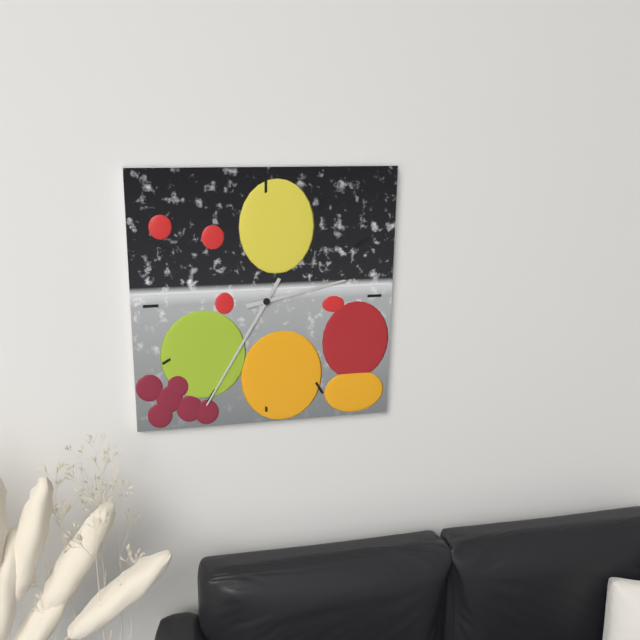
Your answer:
2:35
